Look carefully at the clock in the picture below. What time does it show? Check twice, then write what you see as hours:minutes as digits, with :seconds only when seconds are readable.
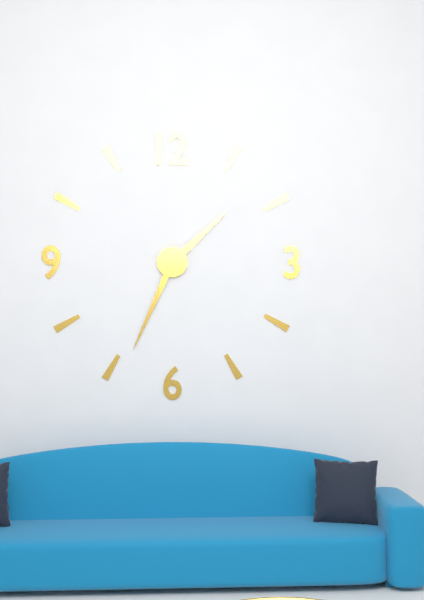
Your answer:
1:34
